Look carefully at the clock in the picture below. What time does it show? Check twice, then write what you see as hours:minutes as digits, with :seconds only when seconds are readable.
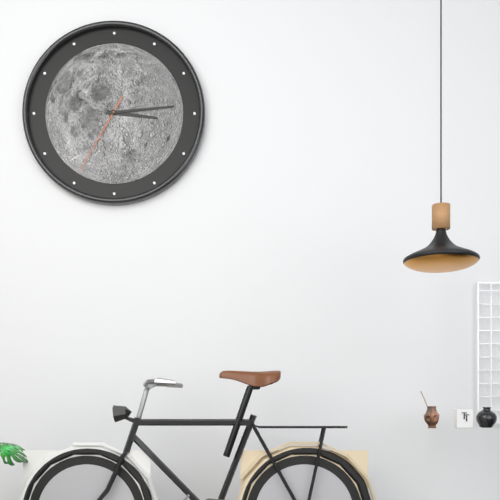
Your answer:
3:14:35
